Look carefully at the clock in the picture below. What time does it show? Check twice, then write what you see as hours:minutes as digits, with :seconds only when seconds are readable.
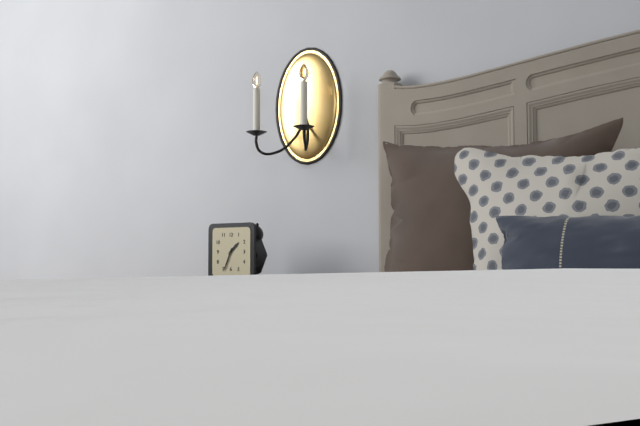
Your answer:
1:34
